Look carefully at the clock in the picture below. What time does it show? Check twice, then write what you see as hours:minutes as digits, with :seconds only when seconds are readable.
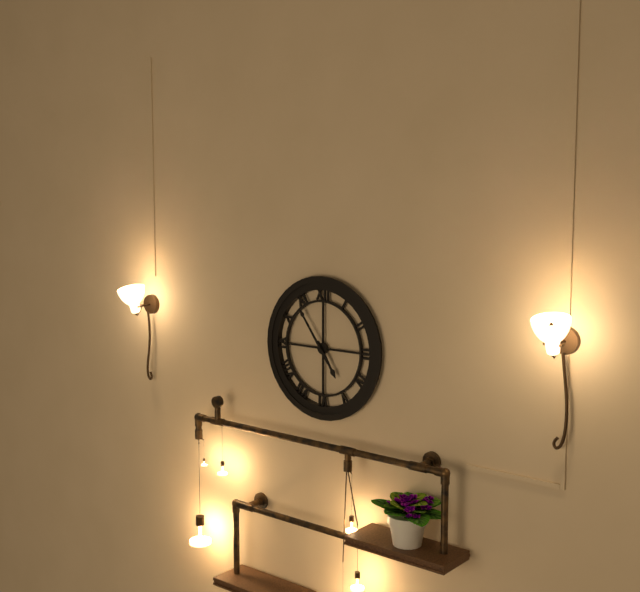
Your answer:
4:54
